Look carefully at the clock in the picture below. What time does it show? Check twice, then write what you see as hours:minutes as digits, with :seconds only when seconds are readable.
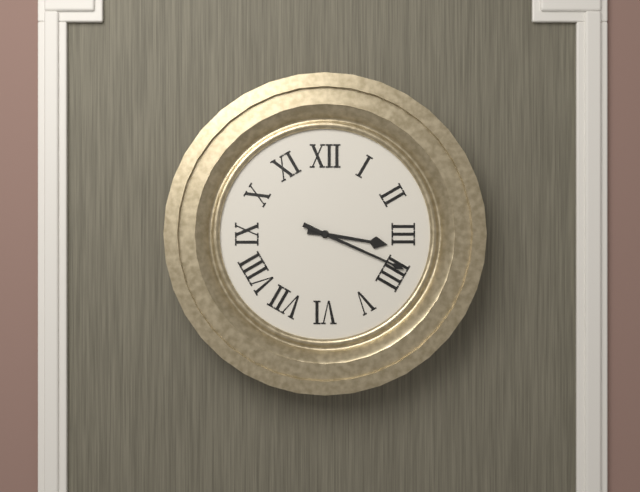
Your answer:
3:19
